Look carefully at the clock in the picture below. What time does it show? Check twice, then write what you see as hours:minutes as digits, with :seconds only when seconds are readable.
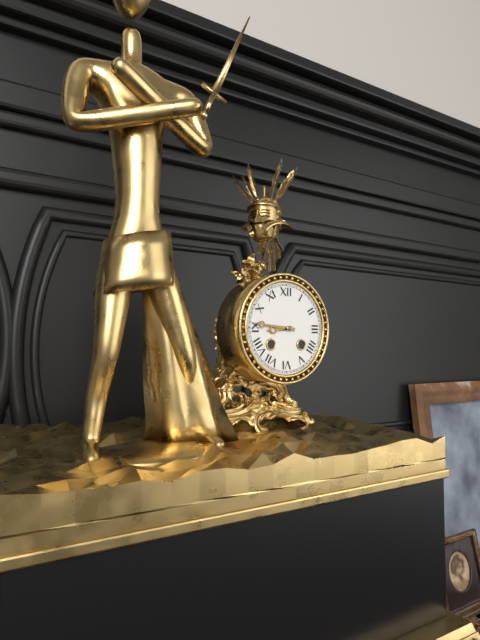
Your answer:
8:46
